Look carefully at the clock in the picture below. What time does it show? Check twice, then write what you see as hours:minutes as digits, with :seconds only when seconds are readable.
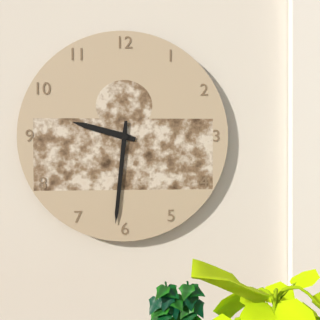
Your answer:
9:31
